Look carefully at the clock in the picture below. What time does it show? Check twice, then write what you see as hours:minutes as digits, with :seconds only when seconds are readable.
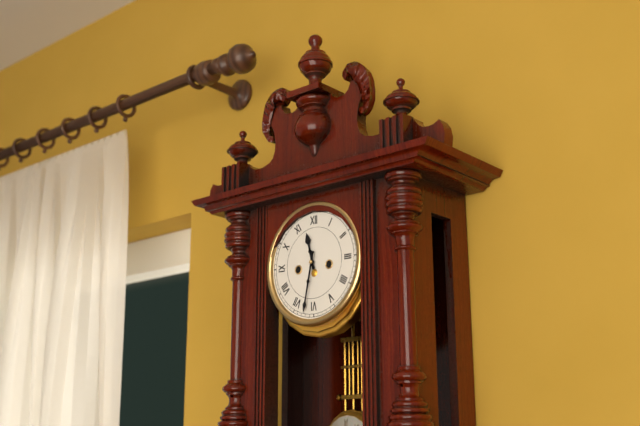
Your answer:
11:32
